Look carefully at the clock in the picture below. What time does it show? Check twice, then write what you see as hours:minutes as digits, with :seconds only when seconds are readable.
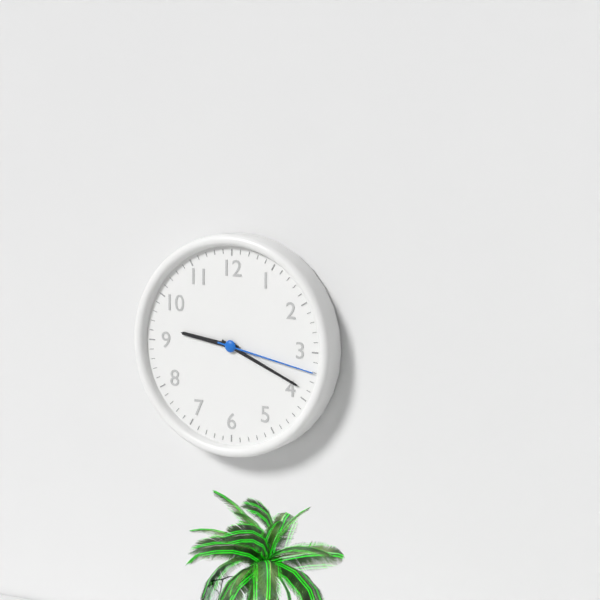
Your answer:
9:19:17
